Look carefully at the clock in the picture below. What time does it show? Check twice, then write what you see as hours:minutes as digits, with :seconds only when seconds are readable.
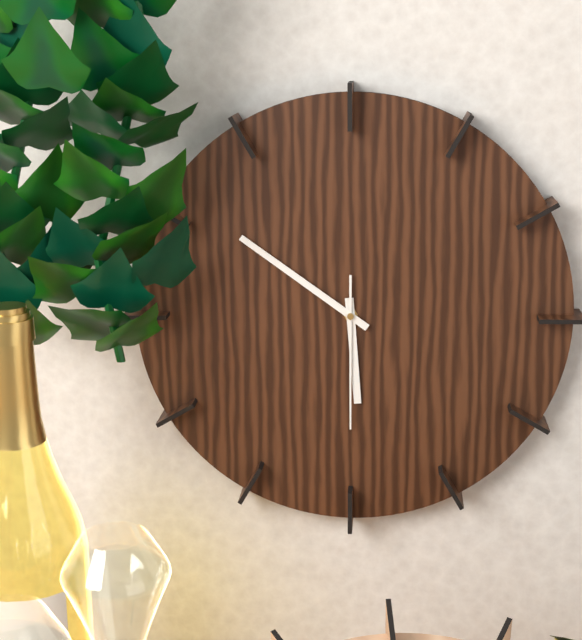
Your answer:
5:51:30
